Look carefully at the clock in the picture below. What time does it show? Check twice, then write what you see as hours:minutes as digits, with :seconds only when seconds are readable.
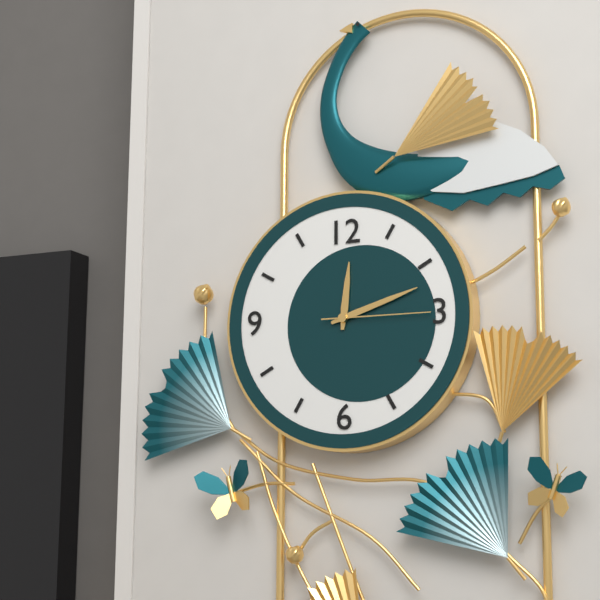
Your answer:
12:12:15
